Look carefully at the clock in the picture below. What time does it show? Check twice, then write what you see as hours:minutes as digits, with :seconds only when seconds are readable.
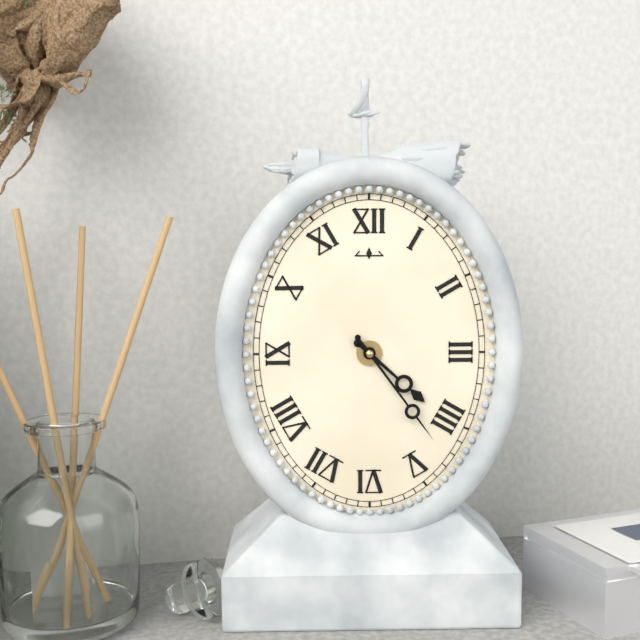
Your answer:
4:24
